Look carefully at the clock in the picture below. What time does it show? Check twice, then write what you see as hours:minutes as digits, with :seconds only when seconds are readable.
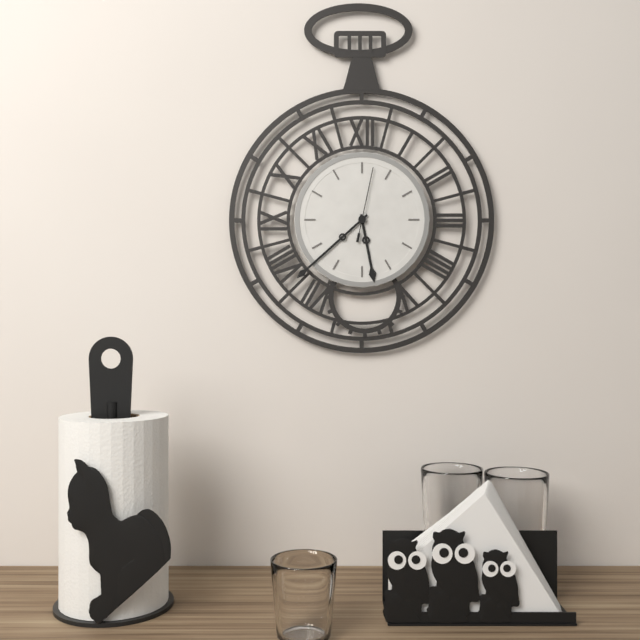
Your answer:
5:38:02
